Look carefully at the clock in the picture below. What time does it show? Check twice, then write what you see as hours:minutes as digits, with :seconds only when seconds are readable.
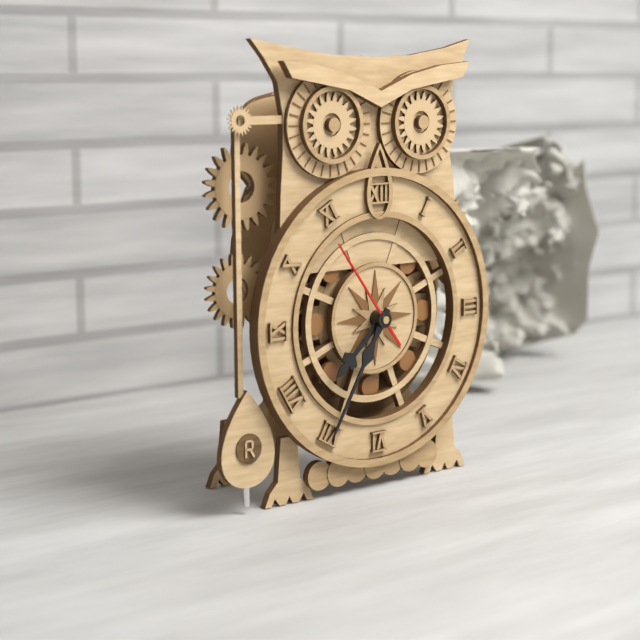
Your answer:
7:35:54
